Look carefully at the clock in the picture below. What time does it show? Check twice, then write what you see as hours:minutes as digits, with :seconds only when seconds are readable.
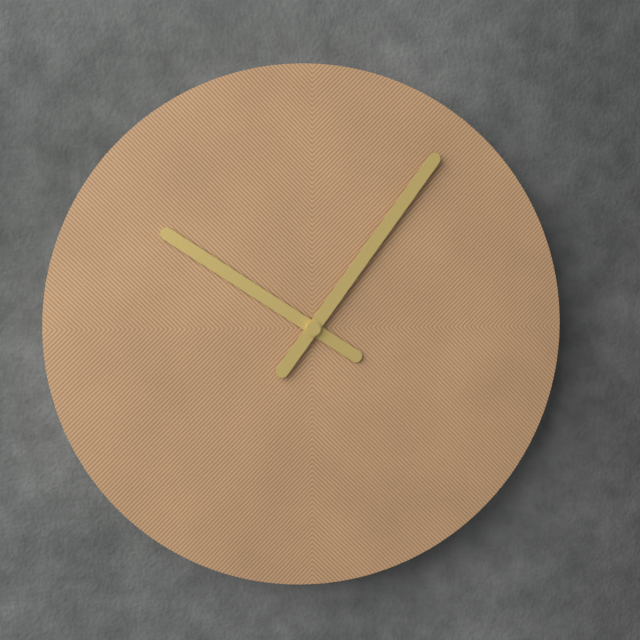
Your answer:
10:06
